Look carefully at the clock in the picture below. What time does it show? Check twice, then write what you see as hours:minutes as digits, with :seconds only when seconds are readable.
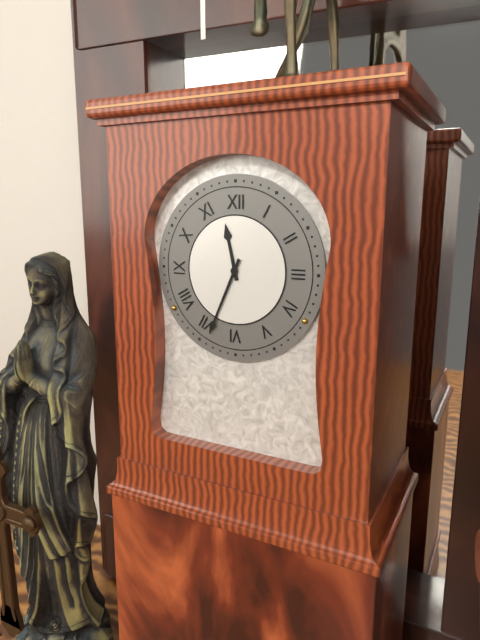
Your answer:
11:34
